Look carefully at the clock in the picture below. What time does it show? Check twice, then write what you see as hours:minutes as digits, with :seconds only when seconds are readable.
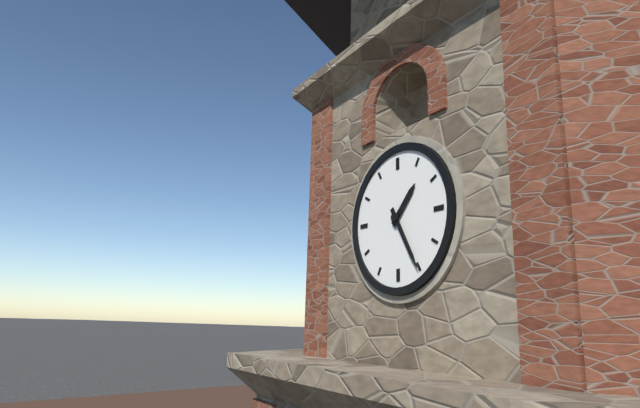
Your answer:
1:25
